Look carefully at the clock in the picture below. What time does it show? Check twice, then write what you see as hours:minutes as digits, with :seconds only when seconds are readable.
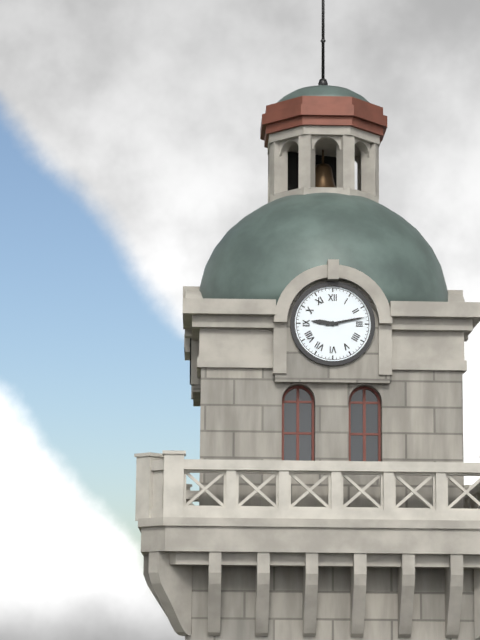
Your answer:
9:13
